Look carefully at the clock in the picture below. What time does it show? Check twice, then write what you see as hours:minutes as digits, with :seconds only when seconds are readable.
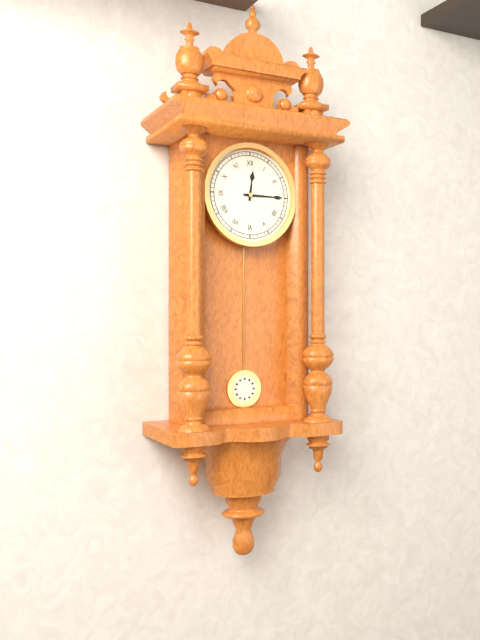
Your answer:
12:15
